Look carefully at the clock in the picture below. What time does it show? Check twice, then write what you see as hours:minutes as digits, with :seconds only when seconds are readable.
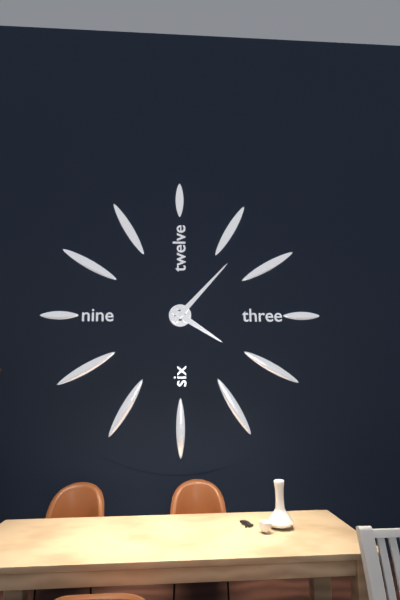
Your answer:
4:07
